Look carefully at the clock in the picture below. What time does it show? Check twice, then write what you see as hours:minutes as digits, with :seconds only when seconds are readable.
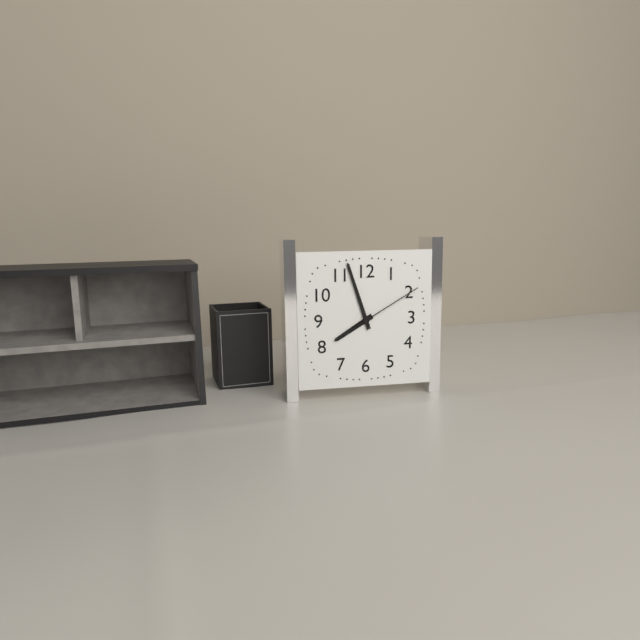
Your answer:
7:57:10
